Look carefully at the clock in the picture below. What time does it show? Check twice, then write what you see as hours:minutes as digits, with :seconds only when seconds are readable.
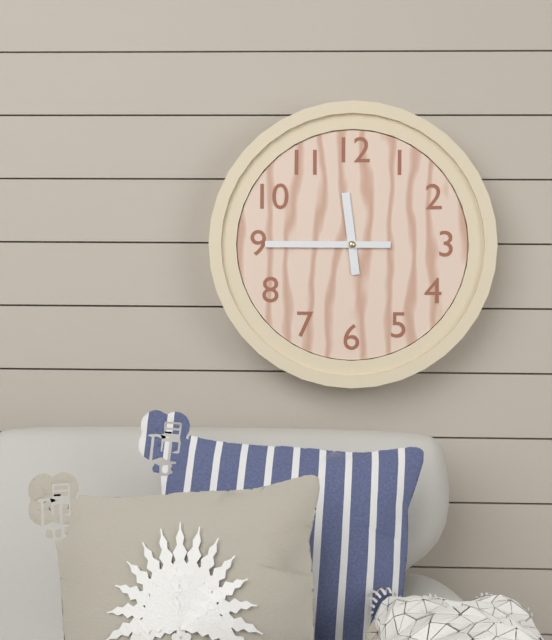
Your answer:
11:45
